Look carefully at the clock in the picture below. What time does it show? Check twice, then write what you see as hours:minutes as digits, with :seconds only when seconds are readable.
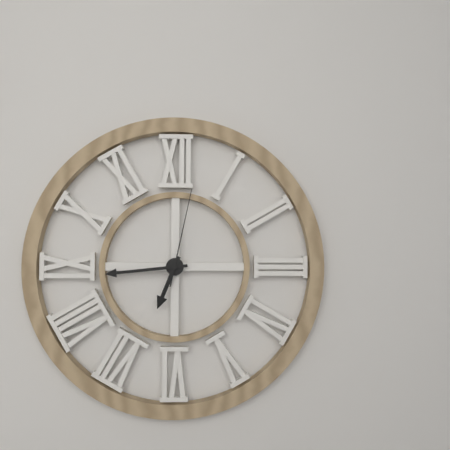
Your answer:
6:44:02
